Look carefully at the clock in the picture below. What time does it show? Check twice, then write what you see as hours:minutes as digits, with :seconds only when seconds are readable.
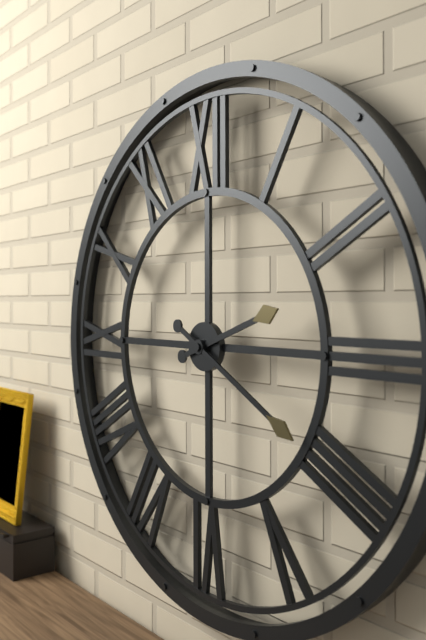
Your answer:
2:20
